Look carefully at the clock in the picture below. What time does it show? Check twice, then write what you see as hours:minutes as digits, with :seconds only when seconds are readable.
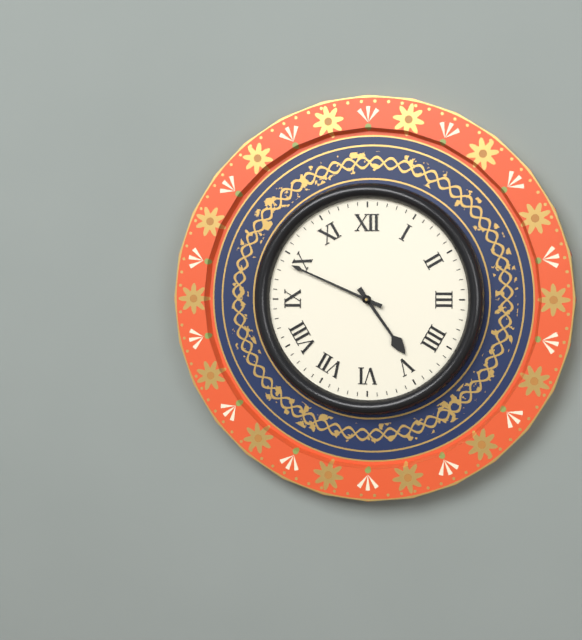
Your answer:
4:49
